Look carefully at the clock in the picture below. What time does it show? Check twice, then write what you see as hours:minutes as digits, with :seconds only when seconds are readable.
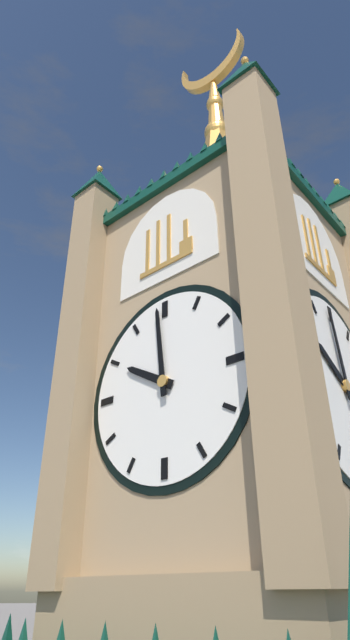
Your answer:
9:59
